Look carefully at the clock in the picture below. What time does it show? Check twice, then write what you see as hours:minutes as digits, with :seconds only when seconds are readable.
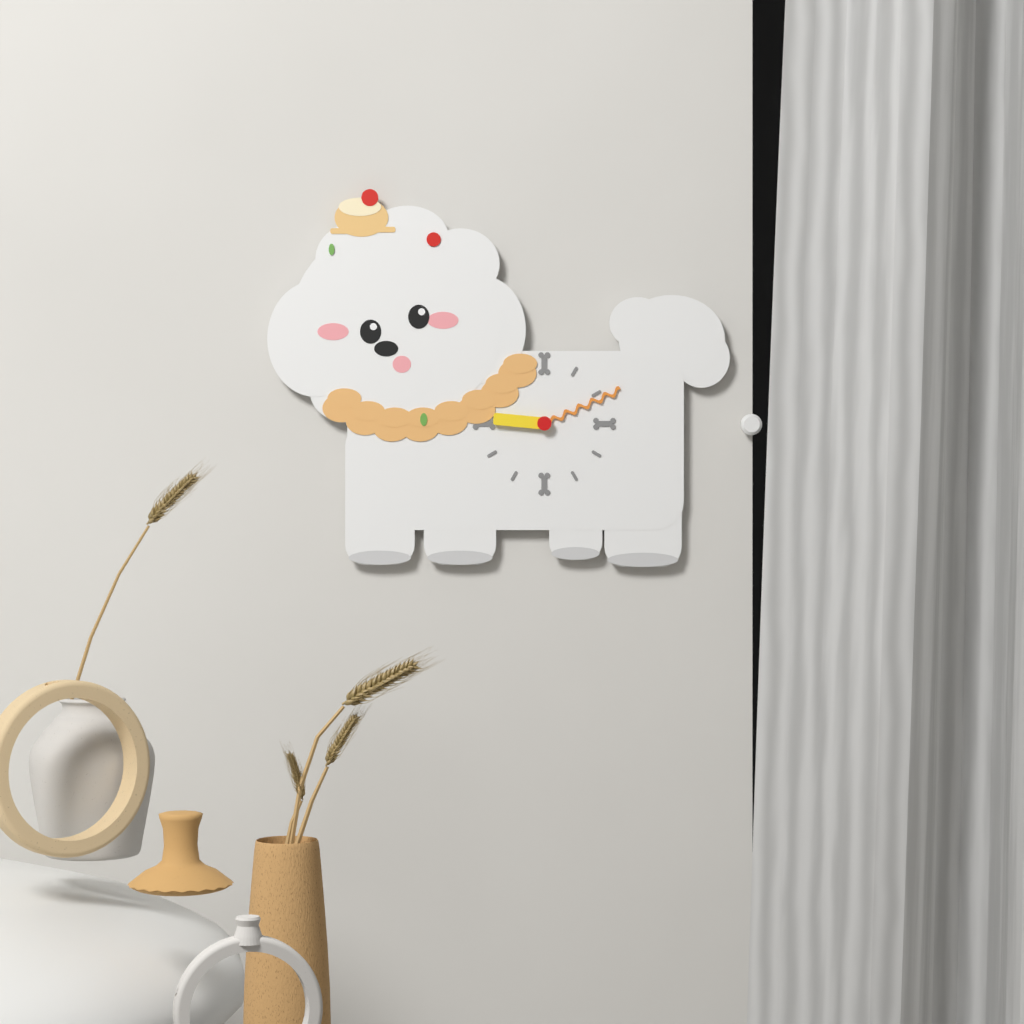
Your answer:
9:11
